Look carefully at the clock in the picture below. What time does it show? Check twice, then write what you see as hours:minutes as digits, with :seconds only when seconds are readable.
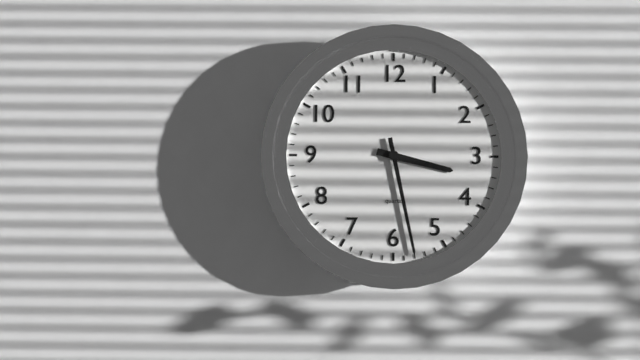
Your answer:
3:28
